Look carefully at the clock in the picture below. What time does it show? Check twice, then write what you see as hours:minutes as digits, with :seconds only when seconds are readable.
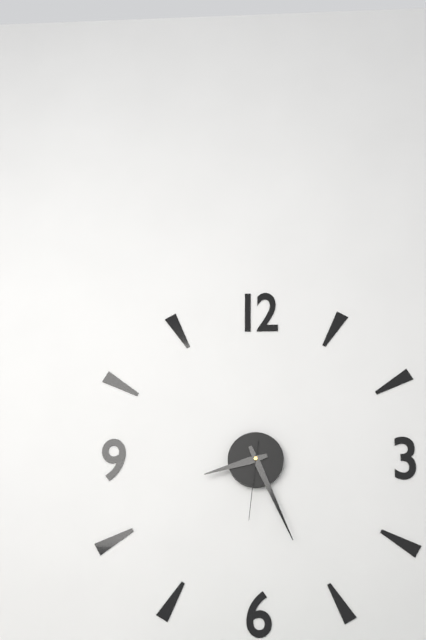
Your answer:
8:26:31
